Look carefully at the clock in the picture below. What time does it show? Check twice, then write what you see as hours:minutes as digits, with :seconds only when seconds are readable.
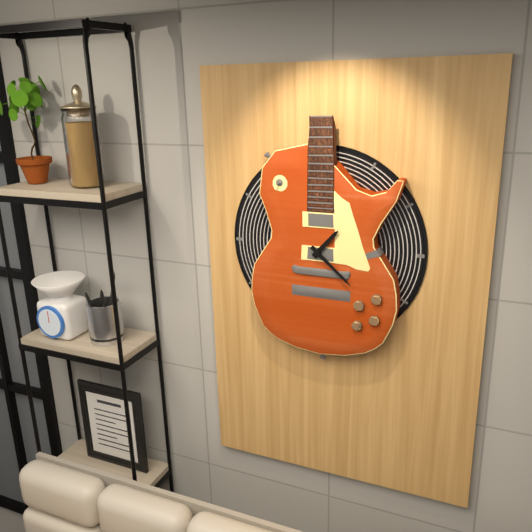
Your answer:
1:22
